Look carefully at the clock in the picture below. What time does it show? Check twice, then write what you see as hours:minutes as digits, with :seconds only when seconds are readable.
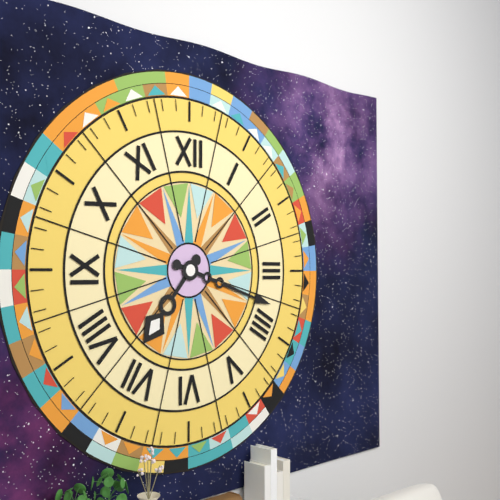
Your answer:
7:18
